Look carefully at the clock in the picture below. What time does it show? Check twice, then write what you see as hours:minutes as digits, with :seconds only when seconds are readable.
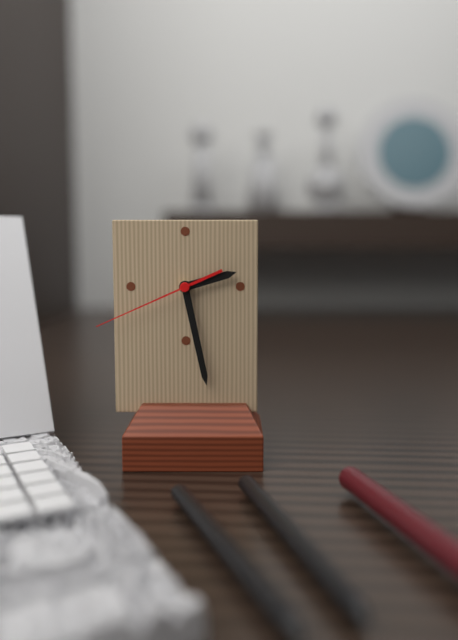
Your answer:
2:28:41
